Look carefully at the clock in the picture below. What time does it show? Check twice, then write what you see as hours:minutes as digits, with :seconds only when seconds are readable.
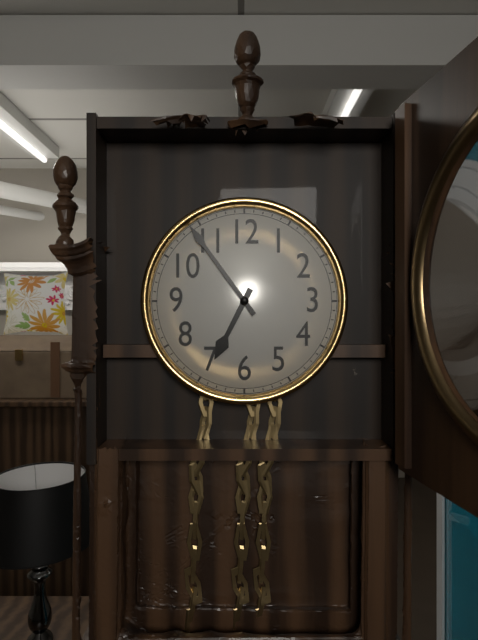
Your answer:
6:54
